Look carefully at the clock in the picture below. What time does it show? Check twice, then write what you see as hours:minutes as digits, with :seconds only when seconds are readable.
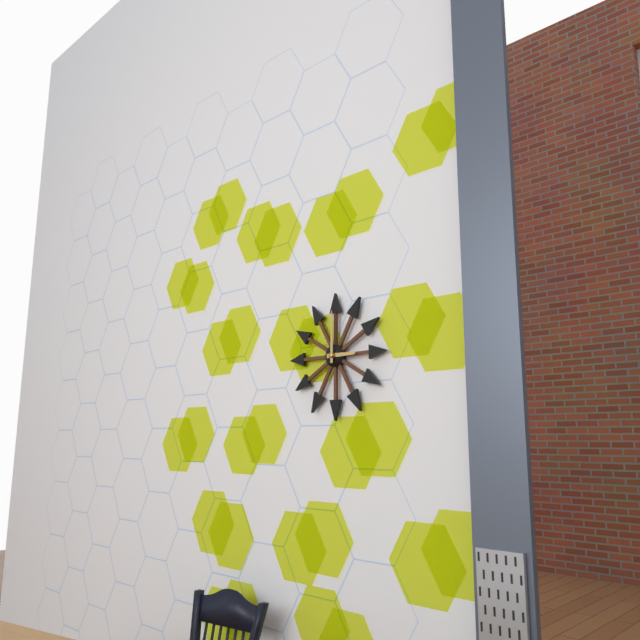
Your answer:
3:00
